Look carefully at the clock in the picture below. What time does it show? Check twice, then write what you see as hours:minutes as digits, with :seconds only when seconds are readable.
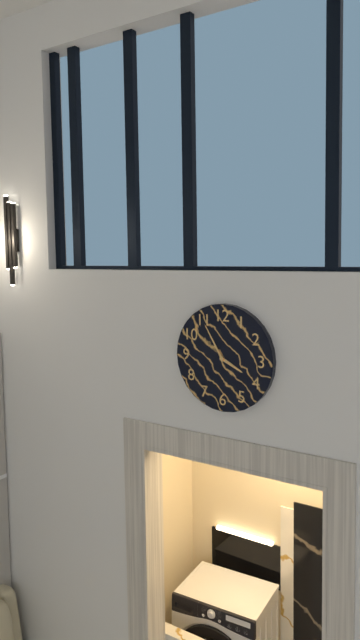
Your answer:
3:55
